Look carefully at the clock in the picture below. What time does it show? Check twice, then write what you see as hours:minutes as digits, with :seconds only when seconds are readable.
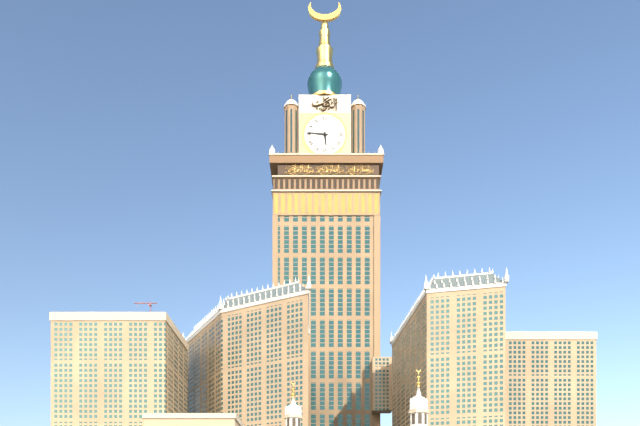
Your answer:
5:46
